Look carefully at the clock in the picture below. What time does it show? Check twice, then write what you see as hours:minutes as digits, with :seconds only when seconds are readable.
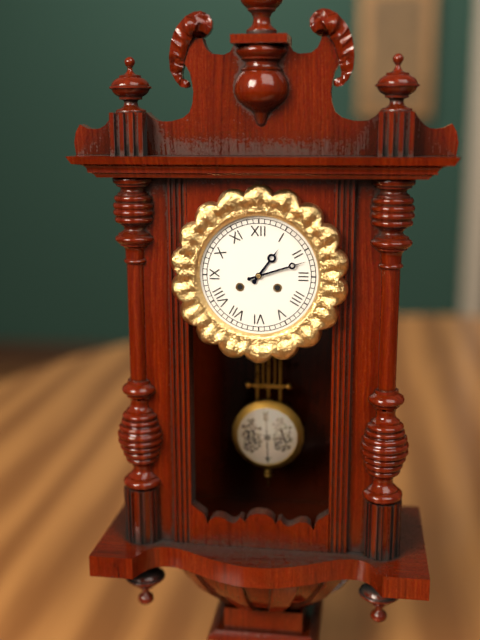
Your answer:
1:12
